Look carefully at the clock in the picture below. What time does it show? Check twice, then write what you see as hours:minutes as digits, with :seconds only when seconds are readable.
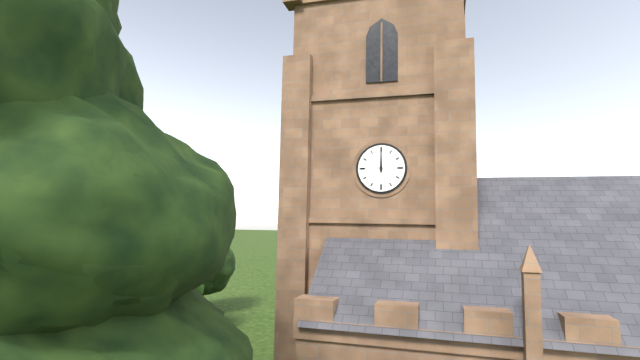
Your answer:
12:00
